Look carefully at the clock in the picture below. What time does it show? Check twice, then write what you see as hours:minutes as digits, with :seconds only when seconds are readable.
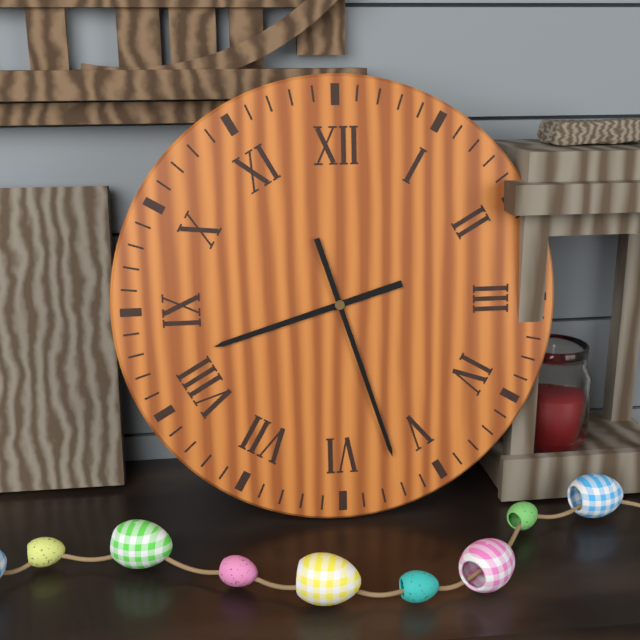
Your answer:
8:27
